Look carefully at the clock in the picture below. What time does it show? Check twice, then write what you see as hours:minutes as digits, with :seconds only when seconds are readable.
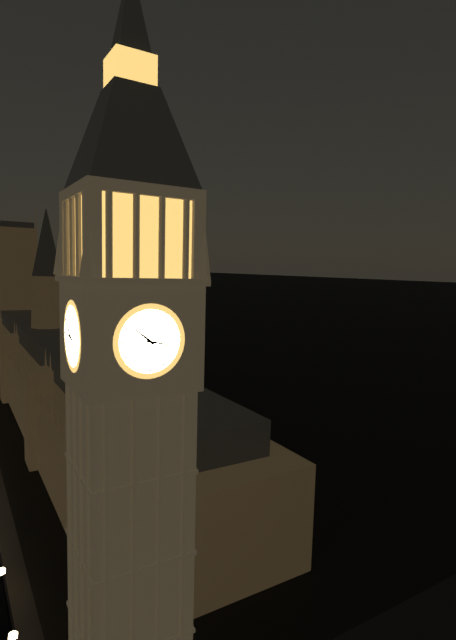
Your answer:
10:17
